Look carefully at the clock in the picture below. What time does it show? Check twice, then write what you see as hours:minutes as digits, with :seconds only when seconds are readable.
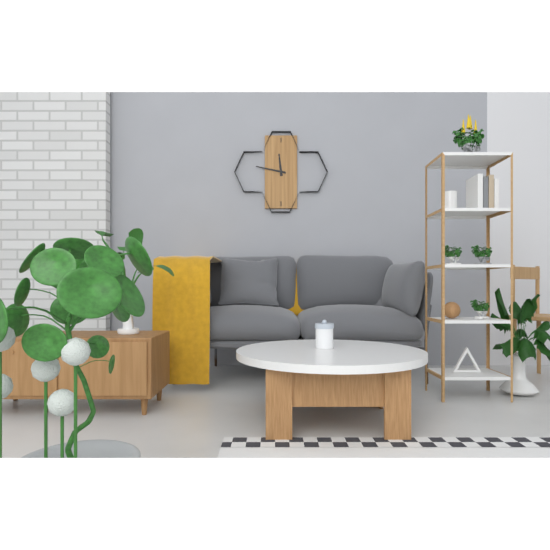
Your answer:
11:47
